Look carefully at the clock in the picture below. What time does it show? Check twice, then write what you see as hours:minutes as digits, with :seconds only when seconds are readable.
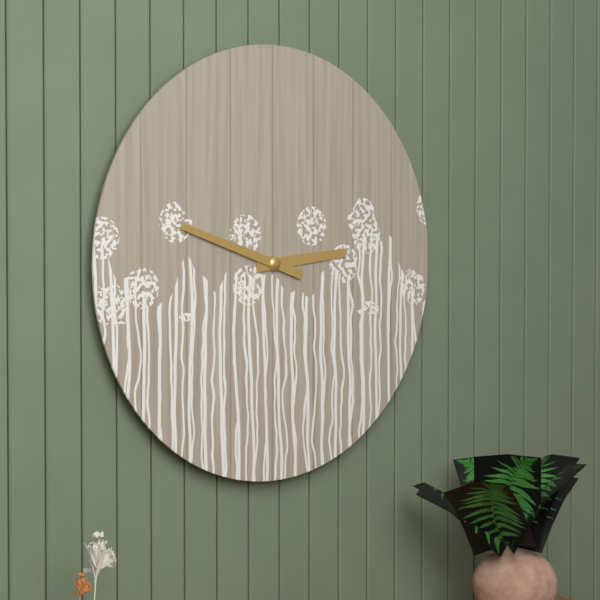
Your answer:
2:48
